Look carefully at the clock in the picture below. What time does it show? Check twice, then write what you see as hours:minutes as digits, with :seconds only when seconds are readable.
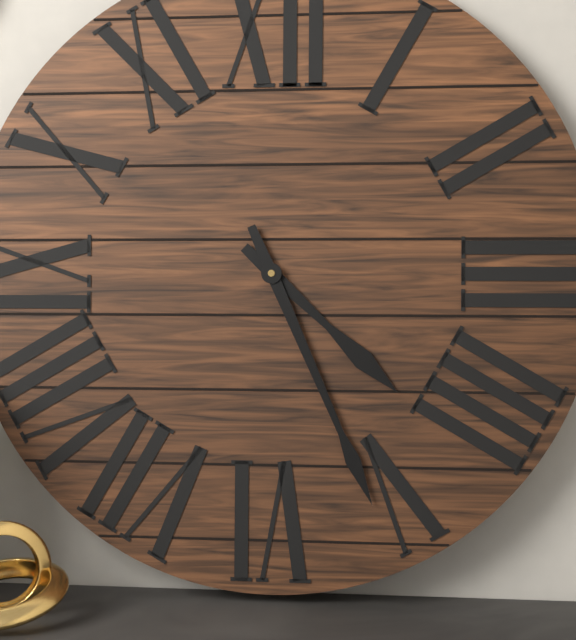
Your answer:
4:26
